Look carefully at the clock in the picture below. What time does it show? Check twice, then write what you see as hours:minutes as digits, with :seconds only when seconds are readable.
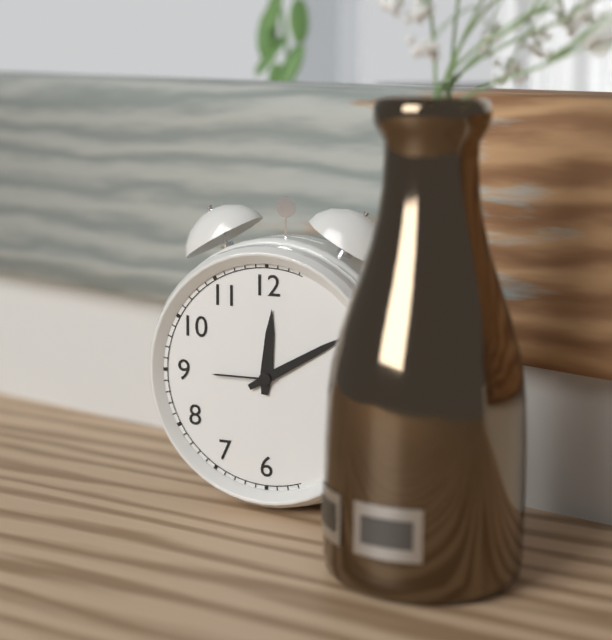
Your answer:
12:10
